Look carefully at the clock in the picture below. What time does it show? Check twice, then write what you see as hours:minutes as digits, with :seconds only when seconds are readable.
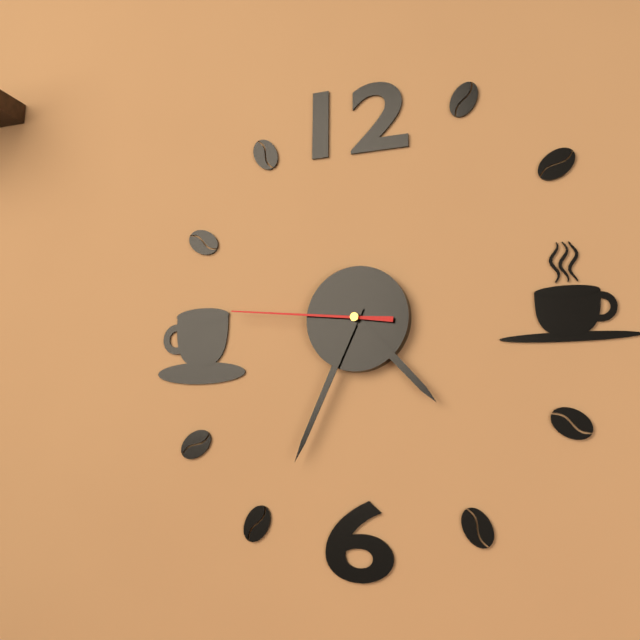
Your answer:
4:34:46
